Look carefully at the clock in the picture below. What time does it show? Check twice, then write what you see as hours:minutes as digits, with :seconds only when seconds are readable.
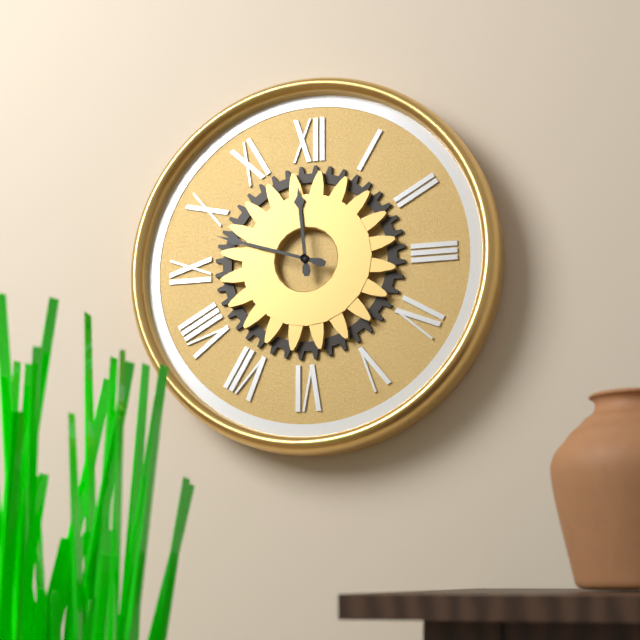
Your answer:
11:48
